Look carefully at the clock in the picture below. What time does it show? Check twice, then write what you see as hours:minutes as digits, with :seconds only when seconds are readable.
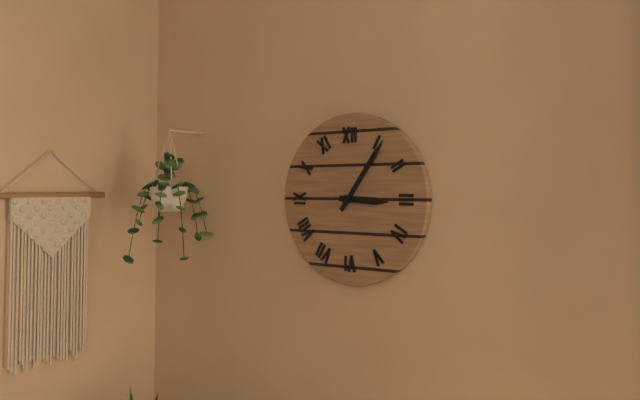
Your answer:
3:06
